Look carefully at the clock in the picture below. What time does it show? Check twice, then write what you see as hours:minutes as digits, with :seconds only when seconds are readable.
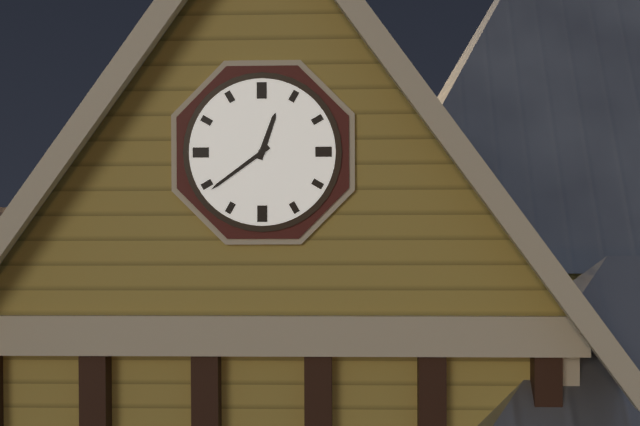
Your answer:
12:39
